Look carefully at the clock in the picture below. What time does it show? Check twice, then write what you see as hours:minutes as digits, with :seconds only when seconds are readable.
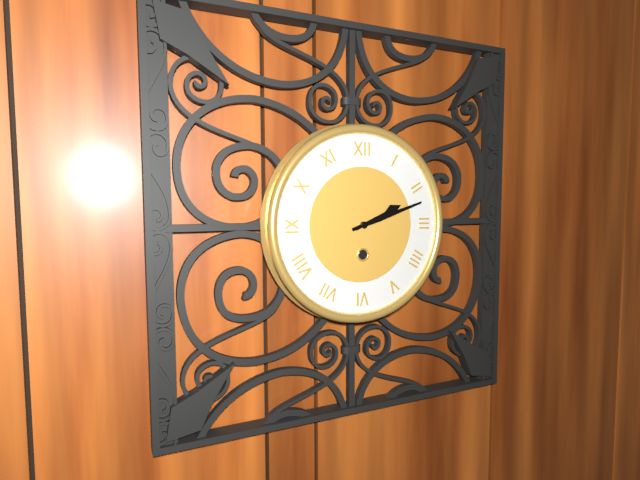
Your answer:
2:12
